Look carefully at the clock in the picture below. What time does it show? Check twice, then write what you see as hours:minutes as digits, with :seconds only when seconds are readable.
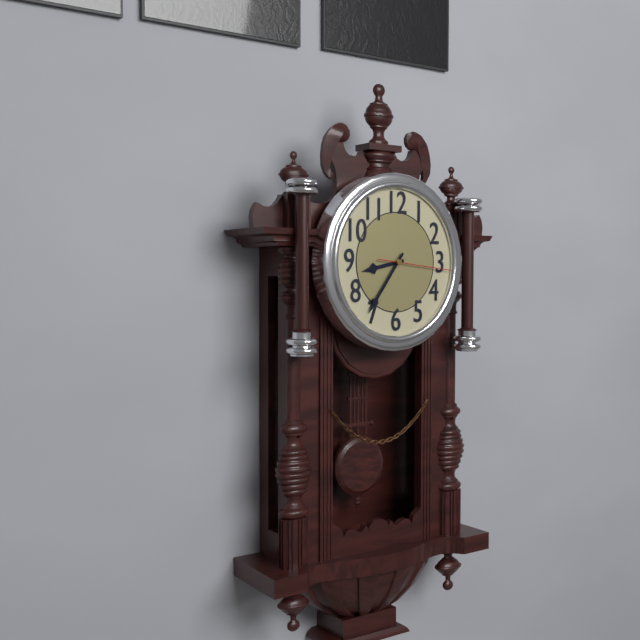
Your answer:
8:36:16
